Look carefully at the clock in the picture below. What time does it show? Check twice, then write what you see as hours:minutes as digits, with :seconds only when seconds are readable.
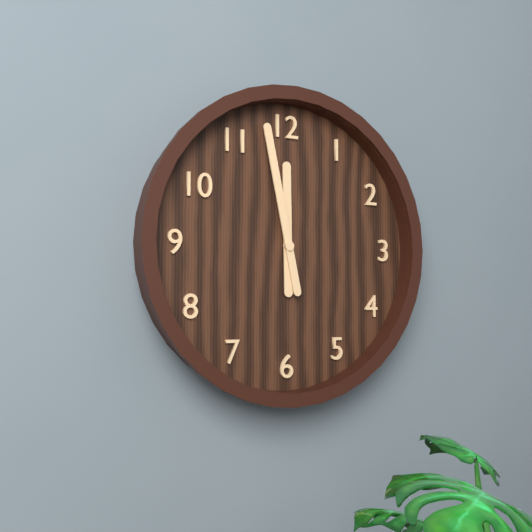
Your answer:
11:58
